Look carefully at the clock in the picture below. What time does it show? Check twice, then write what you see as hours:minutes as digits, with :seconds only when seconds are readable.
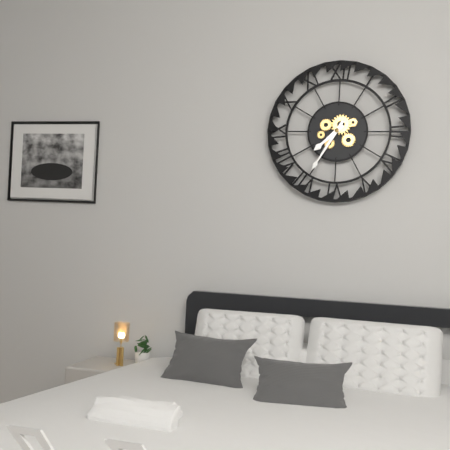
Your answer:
7:35
